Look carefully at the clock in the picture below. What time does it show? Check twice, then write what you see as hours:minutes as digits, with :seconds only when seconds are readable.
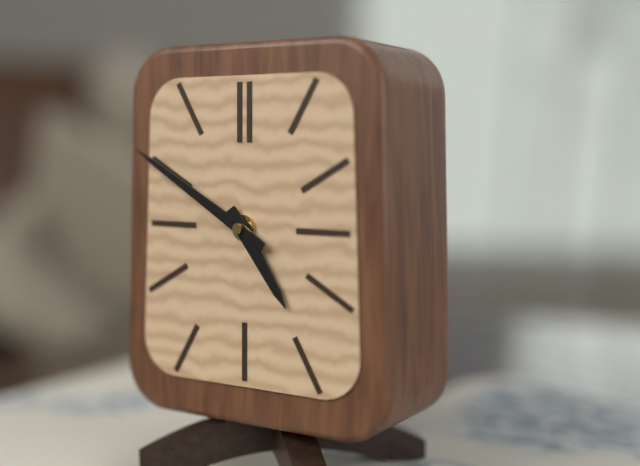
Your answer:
4:50
